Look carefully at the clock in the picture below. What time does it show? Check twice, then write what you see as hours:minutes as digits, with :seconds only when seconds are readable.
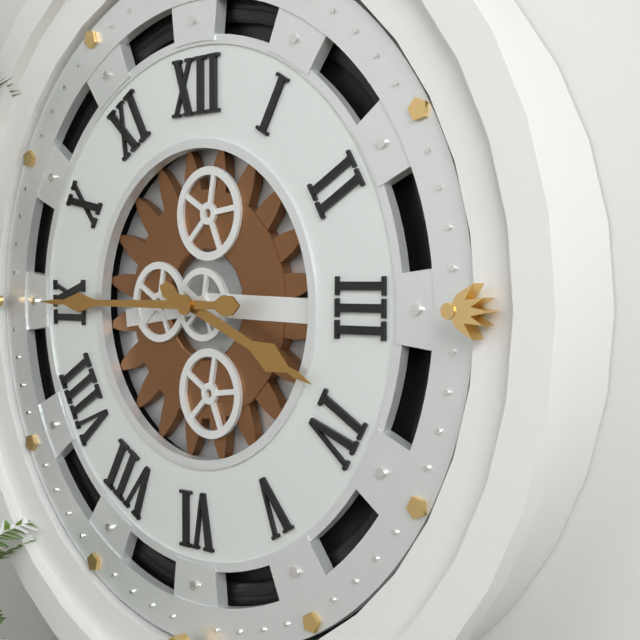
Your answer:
3:45
